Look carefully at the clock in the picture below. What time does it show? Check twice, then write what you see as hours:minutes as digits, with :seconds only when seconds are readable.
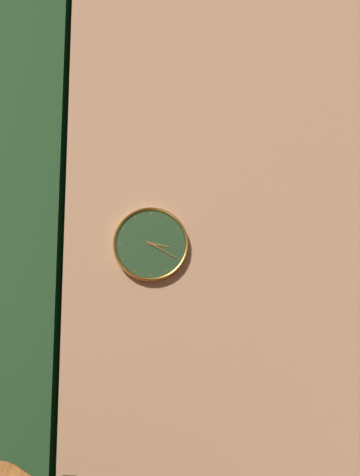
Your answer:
3:20
